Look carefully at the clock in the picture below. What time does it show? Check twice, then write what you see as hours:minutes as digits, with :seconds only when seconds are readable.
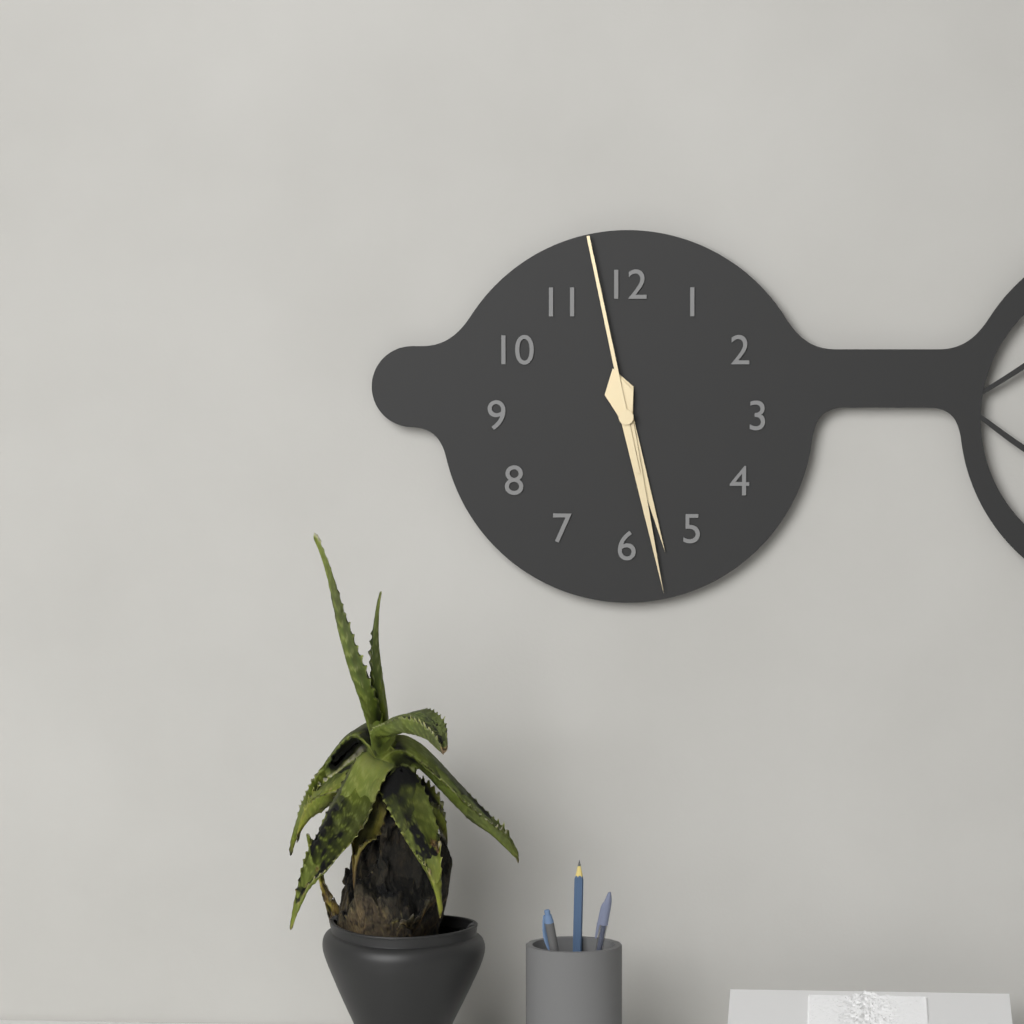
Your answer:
5:28:58
